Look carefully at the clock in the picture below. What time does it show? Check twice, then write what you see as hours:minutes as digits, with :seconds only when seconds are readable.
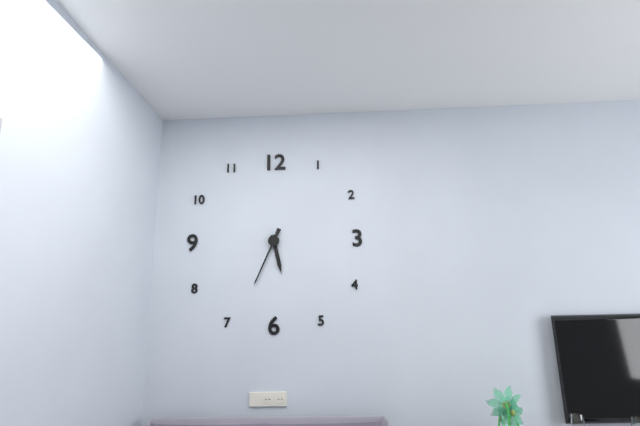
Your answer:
5:34
